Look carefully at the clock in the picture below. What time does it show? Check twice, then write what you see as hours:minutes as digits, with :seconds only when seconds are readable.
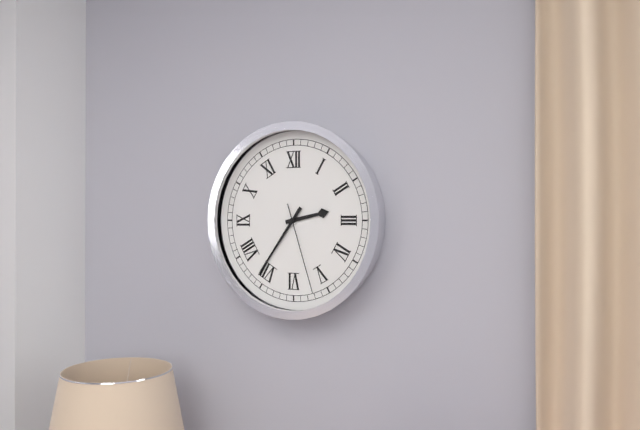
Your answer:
2:36:27
